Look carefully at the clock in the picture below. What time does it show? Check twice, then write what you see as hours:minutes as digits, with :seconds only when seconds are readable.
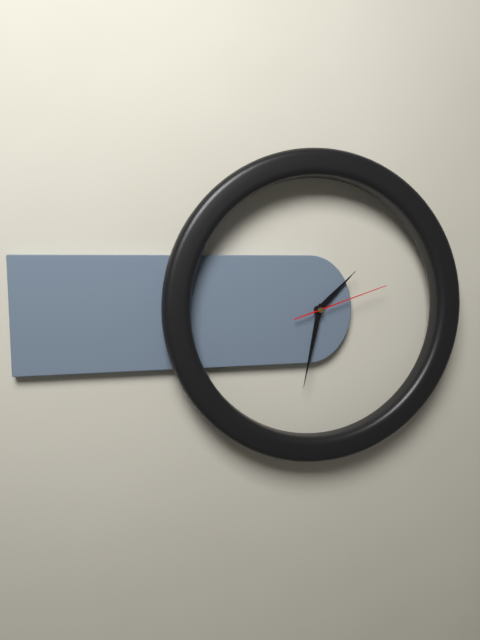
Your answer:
1:32:12
